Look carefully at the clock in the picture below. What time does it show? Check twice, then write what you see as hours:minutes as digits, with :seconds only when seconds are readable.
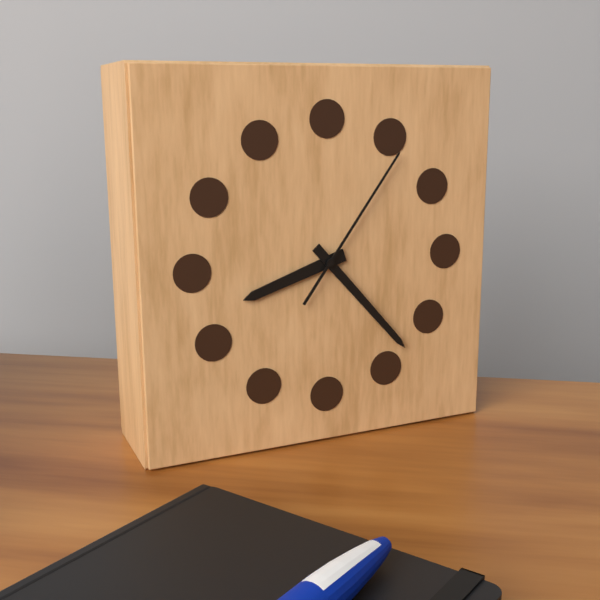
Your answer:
8:23:06
